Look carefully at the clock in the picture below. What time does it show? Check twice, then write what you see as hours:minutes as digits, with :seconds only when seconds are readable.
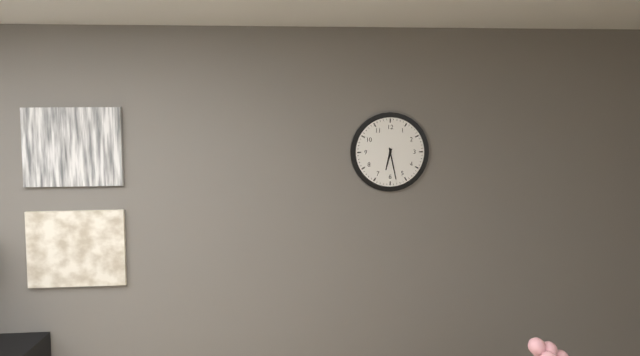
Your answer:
6:28
